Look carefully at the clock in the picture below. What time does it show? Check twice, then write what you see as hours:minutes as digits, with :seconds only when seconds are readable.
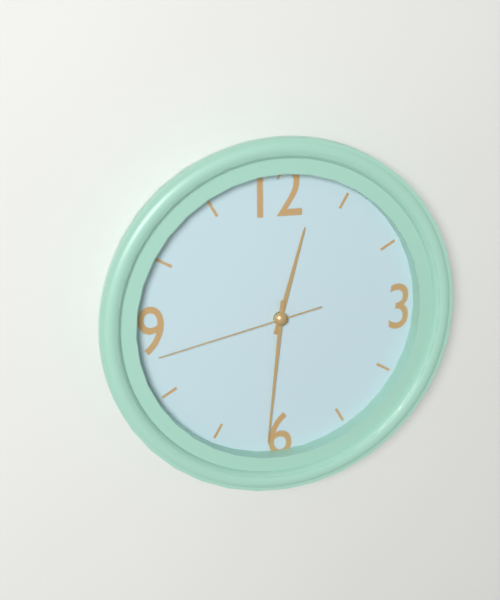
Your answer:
12:31:43
